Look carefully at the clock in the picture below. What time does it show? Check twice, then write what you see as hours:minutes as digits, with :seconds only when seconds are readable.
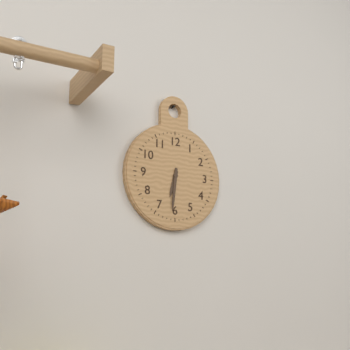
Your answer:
6:31
